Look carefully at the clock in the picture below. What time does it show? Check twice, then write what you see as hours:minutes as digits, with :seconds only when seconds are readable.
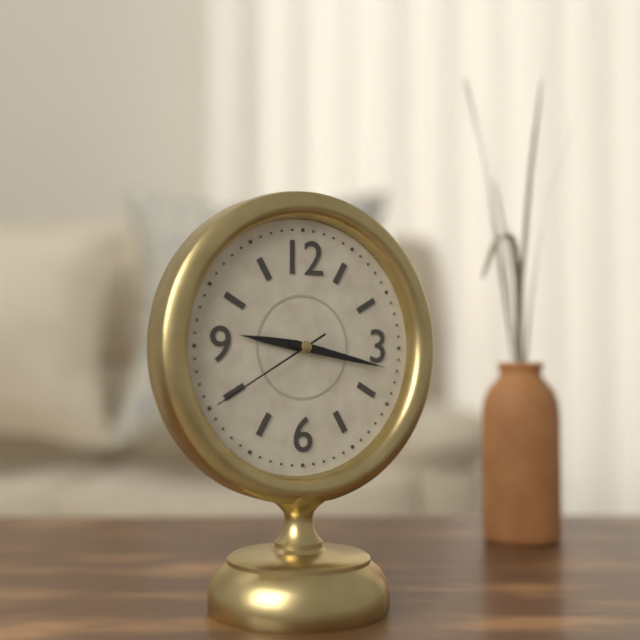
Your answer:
9:17:40
